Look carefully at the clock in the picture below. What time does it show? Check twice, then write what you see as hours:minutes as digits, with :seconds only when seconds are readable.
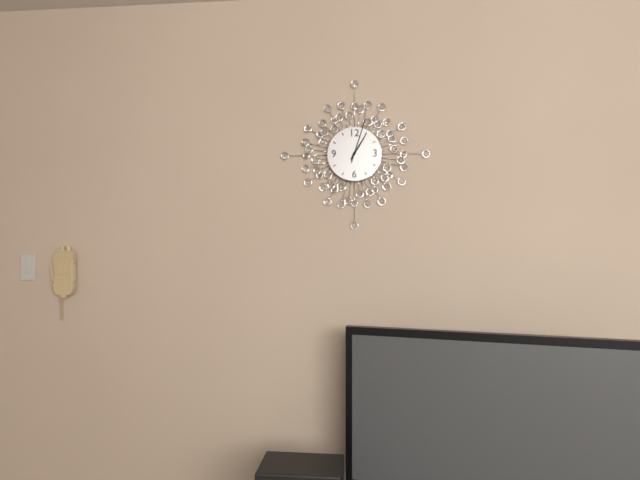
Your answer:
1:03
